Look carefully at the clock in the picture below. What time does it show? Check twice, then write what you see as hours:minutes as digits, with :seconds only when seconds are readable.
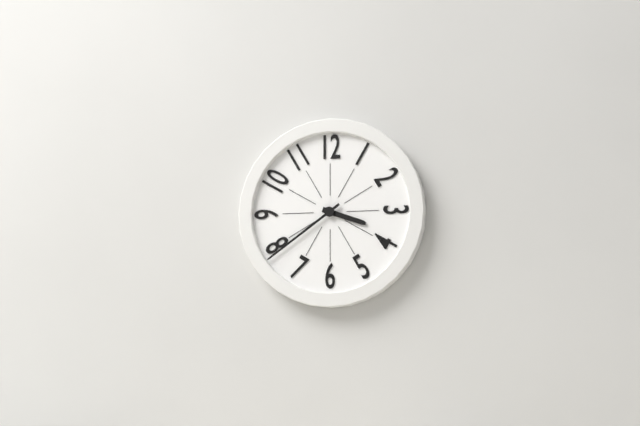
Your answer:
3:39
